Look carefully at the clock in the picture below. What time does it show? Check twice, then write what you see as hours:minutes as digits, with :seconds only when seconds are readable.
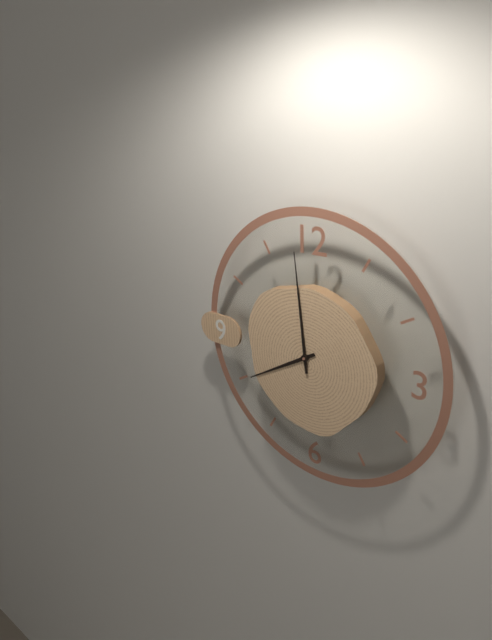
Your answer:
7:59
